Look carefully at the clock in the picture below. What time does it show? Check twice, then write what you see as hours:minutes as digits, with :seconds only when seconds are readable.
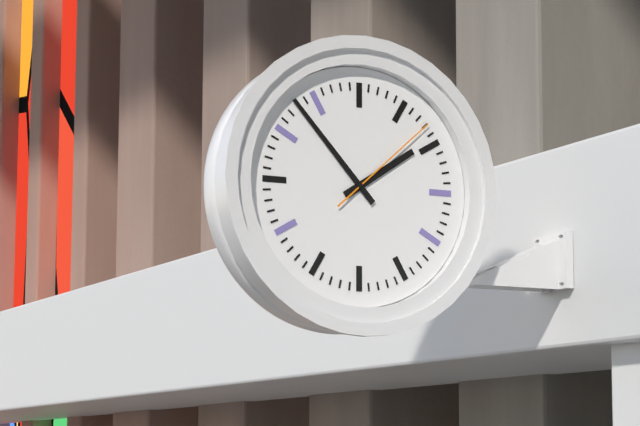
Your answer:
1:53:08
